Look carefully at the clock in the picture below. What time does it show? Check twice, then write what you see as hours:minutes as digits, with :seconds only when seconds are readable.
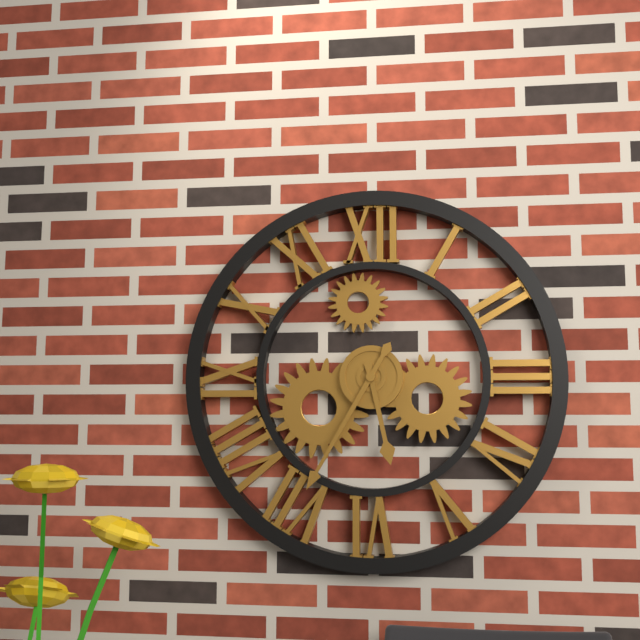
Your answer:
5:35
